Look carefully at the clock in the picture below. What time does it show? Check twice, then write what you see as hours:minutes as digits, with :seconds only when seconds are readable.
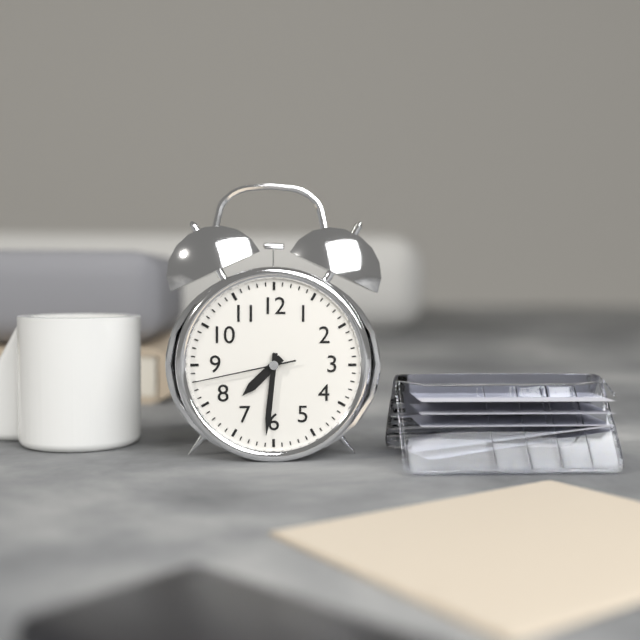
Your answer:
7:31:43
